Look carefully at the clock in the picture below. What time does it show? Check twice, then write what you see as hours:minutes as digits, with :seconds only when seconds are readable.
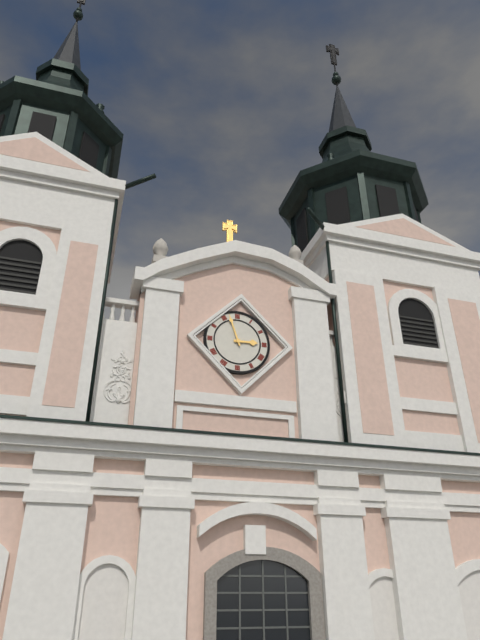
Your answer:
2:57
